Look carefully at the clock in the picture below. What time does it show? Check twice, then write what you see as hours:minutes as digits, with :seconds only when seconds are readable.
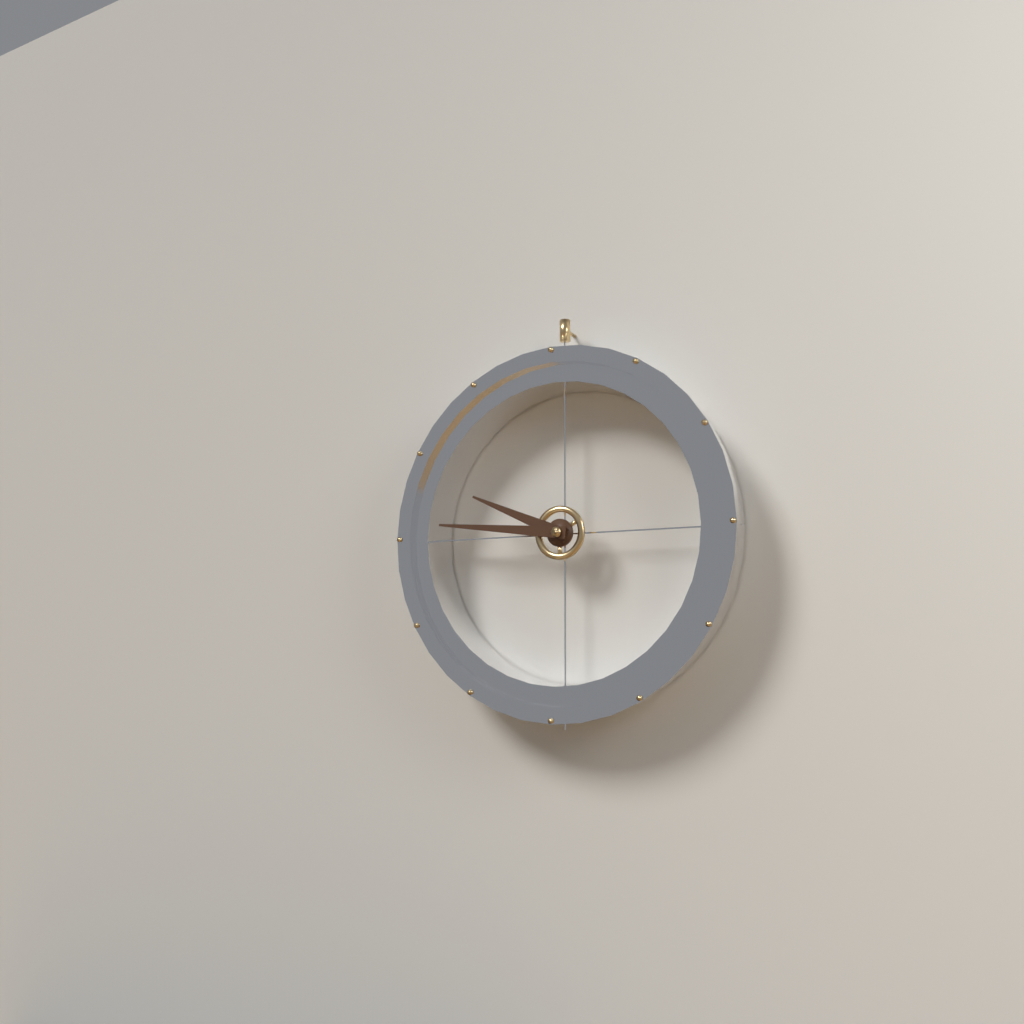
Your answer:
9:46
